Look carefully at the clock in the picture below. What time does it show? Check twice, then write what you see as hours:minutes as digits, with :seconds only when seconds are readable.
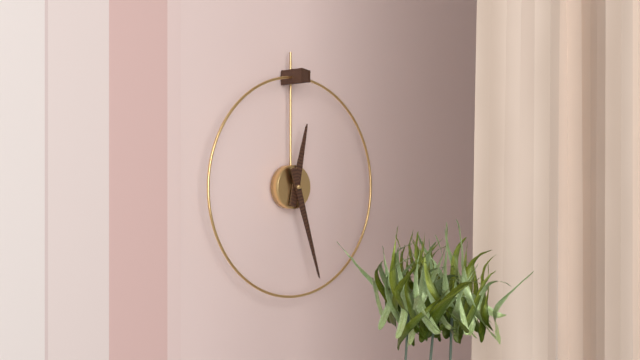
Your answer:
12:27
